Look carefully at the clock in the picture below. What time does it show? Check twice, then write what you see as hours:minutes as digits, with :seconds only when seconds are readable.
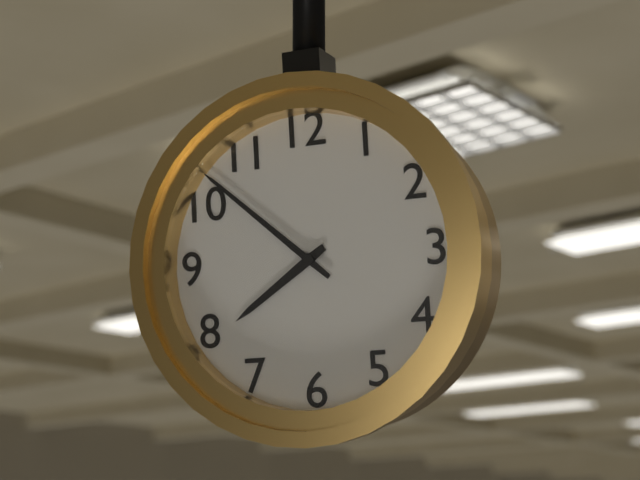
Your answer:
7:52
